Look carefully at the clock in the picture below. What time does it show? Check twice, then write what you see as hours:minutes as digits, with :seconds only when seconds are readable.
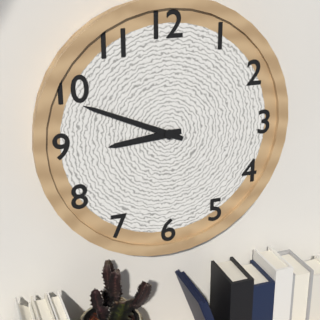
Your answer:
8:49
